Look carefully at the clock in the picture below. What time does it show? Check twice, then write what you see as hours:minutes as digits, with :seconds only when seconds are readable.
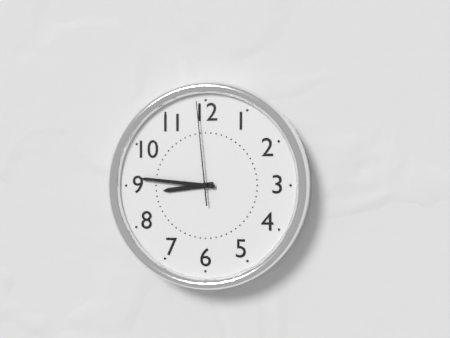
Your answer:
8:46:59
